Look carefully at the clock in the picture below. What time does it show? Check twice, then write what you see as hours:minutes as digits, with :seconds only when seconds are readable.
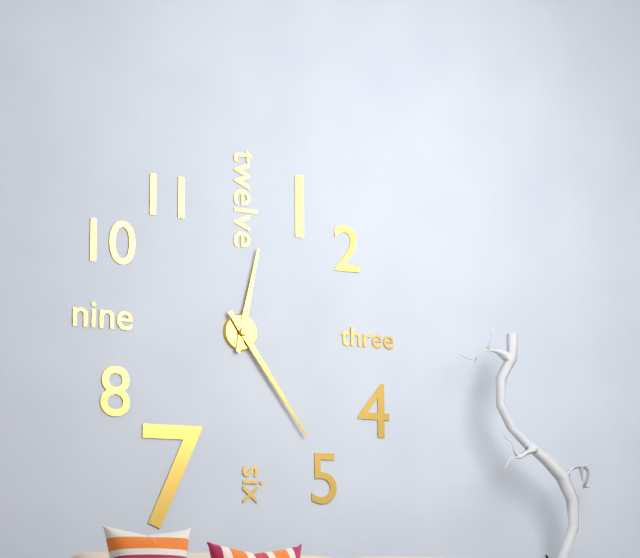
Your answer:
12:24
